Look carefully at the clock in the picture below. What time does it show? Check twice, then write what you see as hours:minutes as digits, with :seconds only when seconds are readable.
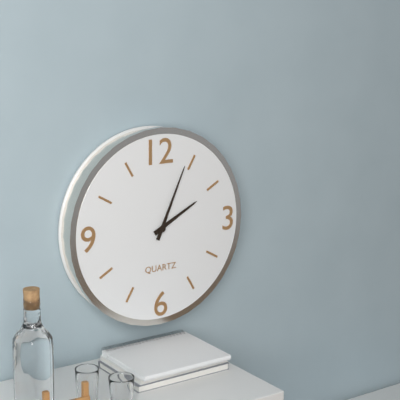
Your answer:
2:04
